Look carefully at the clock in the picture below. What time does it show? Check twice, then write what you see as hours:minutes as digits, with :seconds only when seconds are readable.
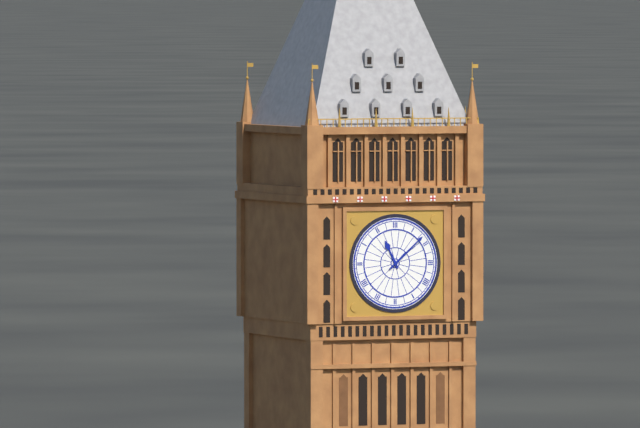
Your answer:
11:08
